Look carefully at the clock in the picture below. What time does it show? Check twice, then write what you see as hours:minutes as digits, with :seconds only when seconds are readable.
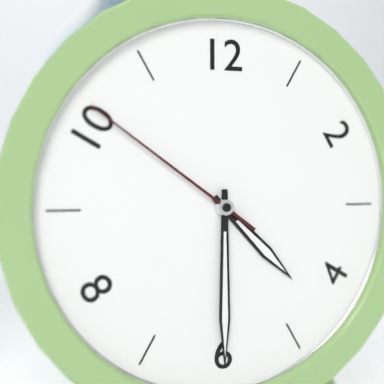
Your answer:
4:30:51
